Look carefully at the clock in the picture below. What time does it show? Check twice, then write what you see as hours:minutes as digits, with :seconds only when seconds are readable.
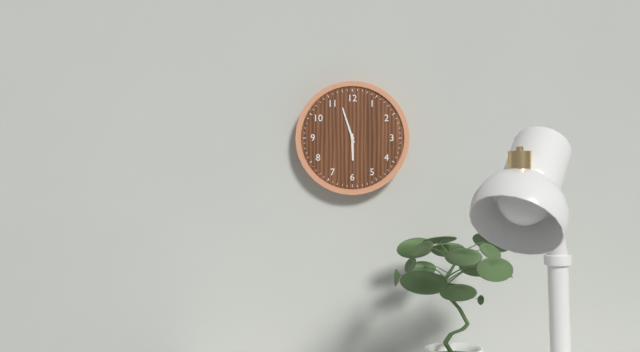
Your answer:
5:57
